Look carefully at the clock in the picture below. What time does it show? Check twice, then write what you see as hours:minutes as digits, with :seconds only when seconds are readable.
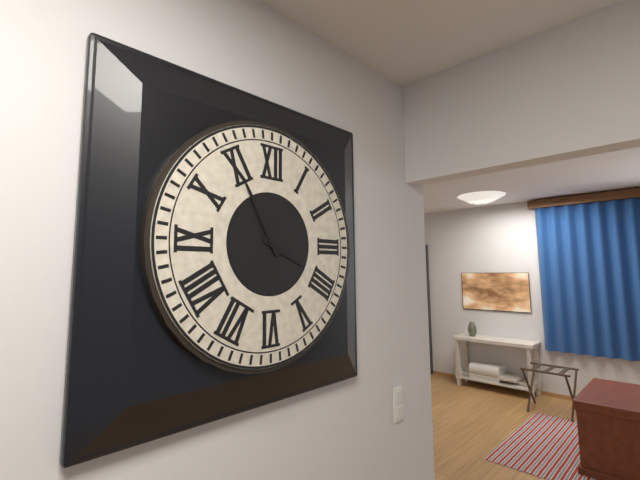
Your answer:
3:55
